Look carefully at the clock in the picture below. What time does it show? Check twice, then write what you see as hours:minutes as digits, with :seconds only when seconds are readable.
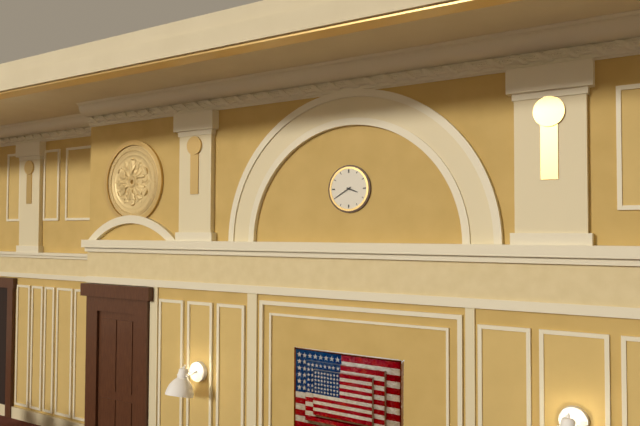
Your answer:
3:40
